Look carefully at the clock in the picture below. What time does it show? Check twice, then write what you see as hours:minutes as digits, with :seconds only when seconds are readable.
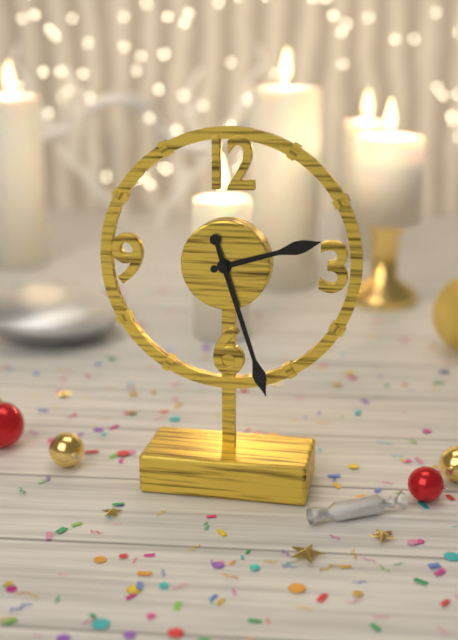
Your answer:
2:27
